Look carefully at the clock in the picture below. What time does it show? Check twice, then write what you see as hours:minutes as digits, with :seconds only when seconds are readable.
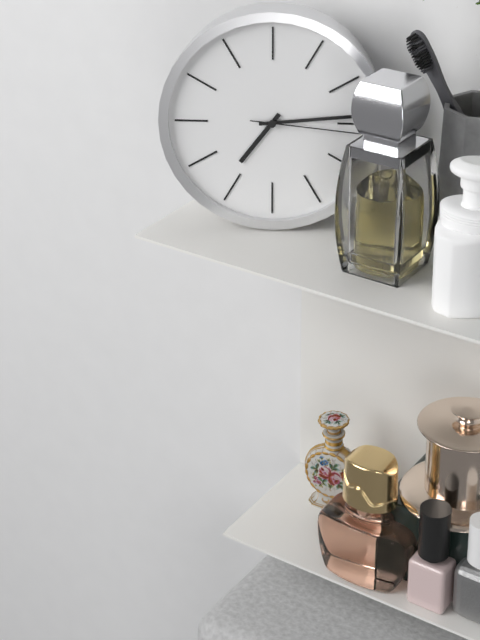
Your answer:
7:14:16
